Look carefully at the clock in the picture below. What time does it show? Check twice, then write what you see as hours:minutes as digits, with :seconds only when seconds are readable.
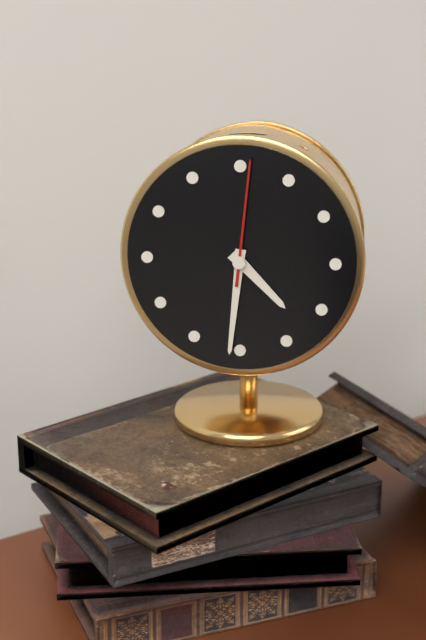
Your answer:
4:31:01
